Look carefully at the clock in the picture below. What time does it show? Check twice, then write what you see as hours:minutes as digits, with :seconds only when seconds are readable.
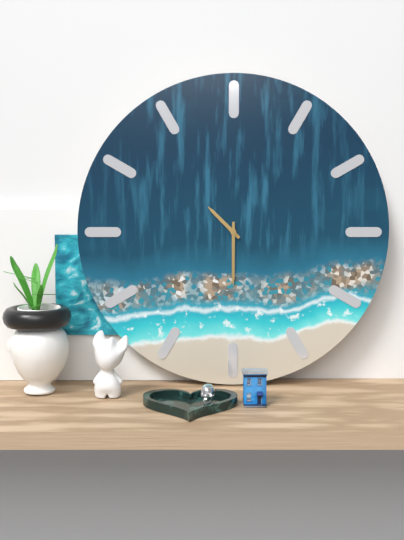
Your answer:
10:30
